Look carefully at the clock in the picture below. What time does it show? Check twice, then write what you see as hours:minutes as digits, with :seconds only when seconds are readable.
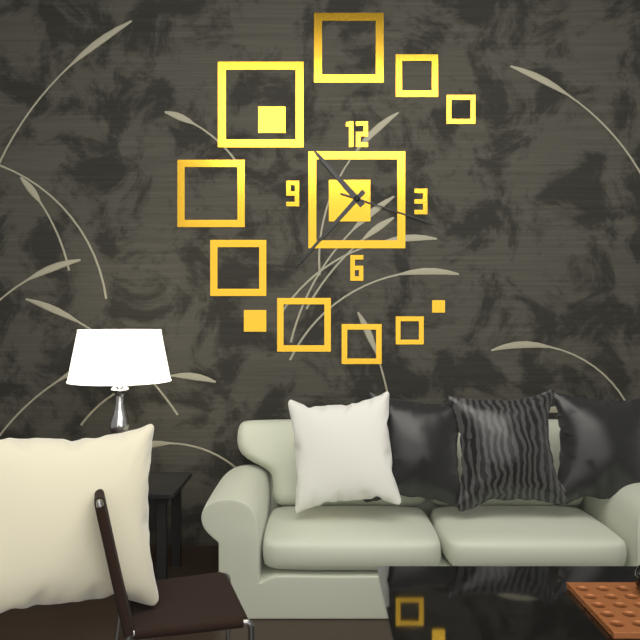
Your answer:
10:37:18
